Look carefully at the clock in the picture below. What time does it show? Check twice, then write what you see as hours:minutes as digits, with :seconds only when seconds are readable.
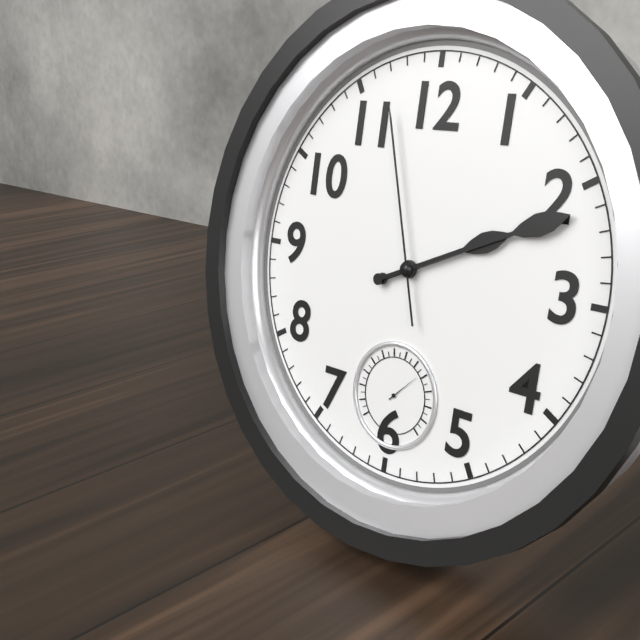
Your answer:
2:11:57
